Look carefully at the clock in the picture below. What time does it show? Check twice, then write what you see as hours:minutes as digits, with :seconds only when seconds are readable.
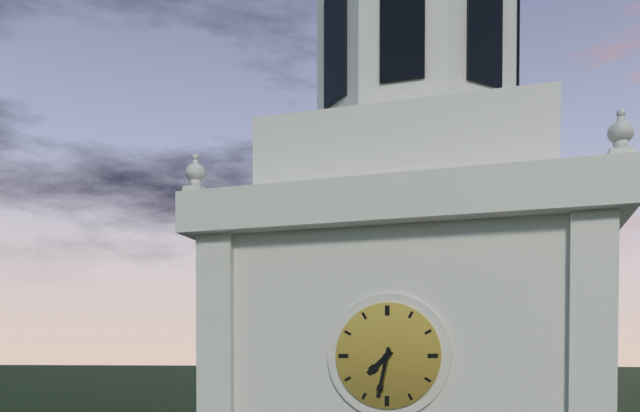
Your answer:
7:32
